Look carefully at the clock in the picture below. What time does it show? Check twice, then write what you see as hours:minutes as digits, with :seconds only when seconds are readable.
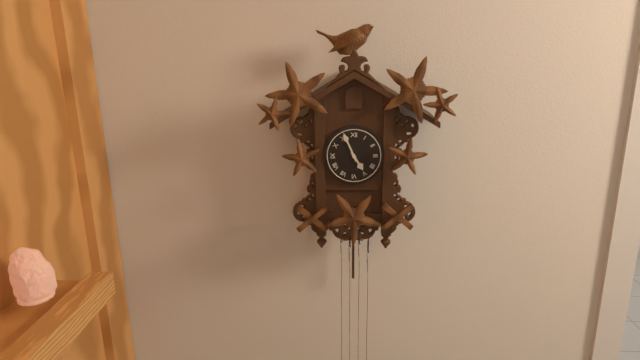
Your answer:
4:56
